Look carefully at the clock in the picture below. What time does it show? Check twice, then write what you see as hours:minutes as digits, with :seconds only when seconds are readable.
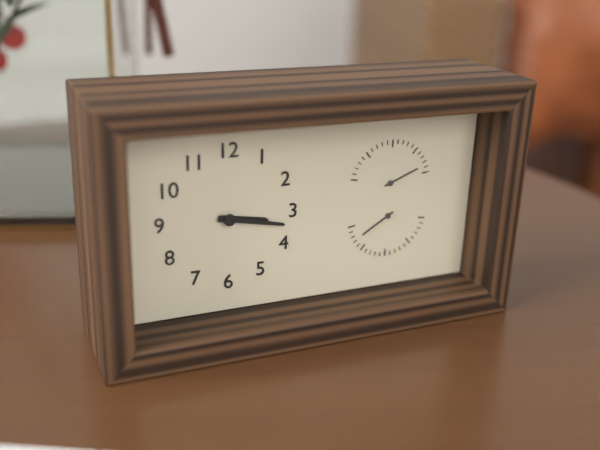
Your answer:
3:17
